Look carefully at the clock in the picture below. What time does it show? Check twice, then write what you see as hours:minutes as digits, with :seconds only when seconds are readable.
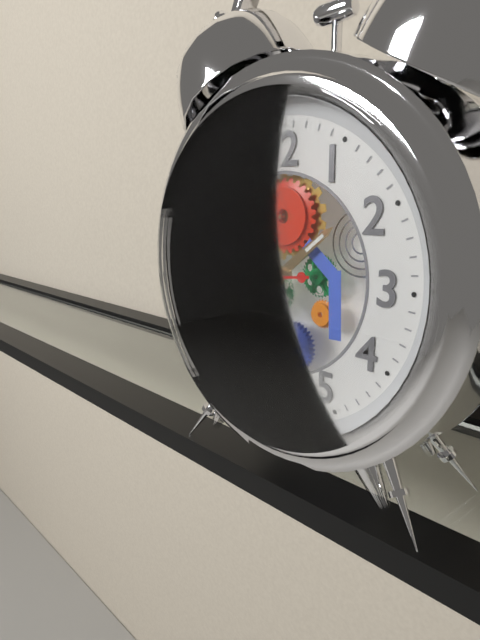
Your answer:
1:43:44
